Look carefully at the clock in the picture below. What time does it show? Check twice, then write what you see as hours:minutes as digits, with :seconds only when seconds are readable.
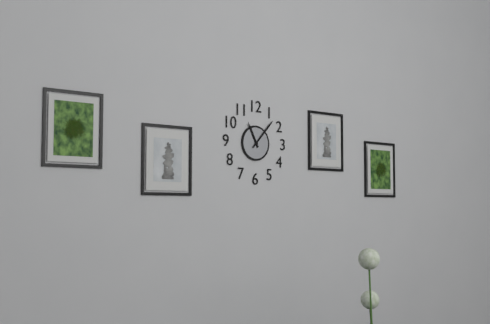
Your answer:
11:07
